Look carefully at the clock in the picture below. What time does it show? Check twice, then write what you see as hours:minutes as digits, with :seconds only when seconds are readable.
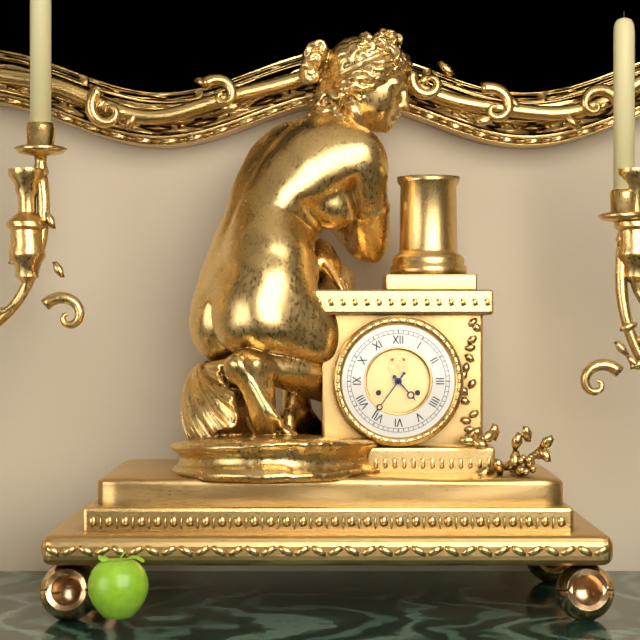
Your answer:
4:36
